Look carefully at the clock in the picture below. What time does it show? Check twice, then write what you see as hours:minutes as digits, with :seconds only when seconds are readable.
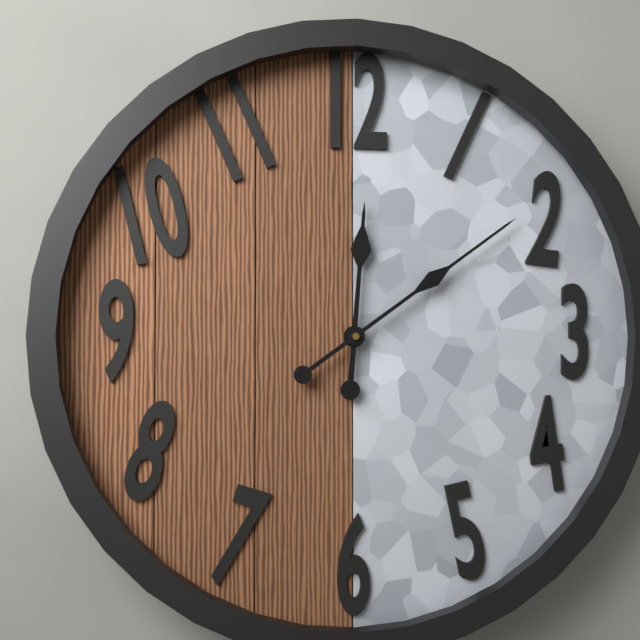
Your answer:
12:09
